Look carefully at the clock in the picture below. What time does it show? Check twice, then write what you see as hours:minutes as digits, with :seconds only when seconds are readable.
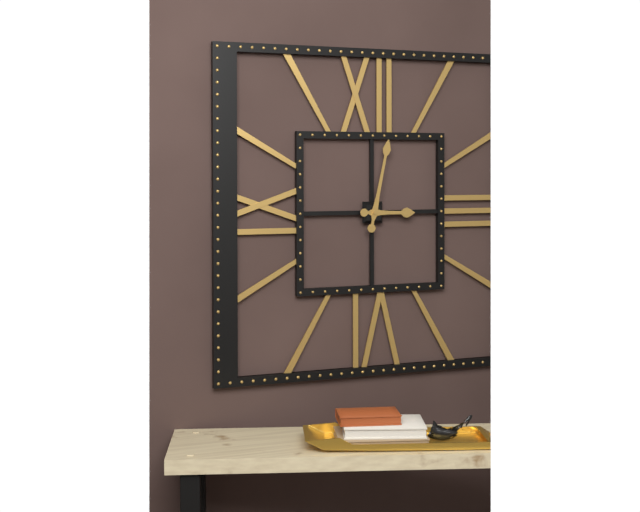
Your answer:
3:02
